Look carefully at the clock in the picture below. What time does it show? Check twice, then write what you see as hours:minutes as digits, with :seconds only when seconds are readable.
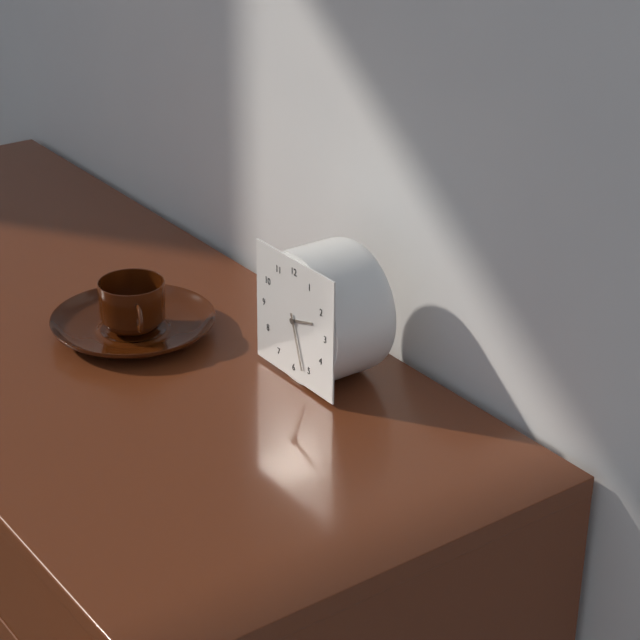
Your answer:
2:27
